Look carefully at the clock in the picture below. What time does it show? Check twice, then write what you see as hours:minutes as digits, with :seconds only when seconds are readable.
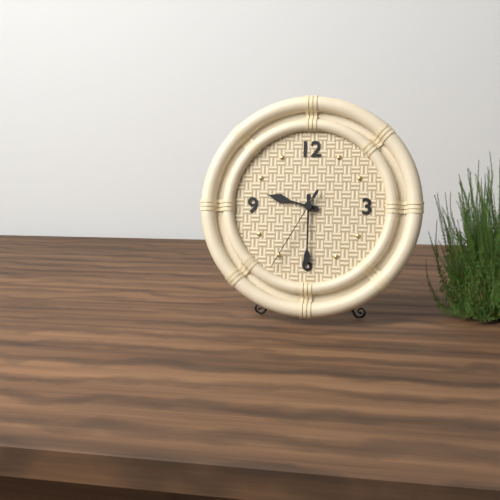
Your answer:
9:30:35
